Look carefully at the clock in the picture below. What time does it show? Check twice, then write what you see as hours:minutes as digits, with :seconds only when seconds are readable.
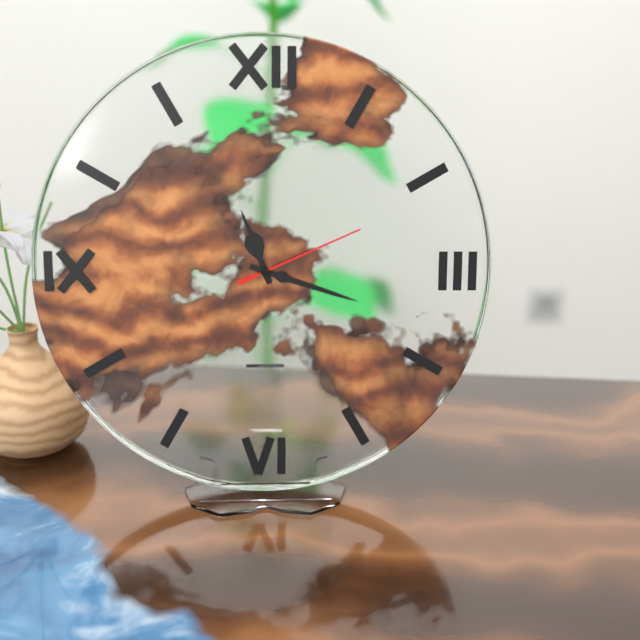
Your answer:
11:18:11
